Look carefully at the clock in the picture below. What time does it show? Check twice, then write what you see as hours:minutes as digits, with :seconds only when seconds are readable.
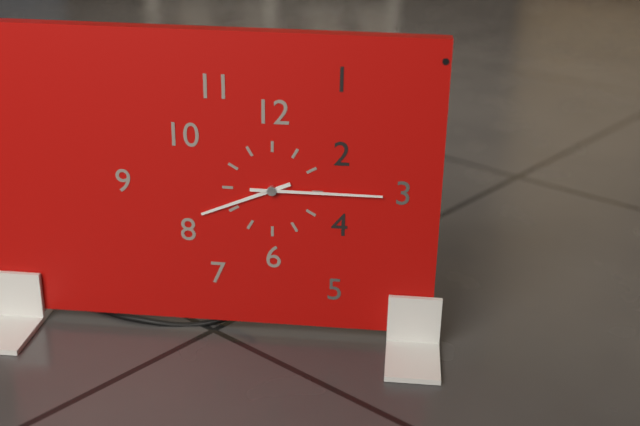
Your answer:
8:15
